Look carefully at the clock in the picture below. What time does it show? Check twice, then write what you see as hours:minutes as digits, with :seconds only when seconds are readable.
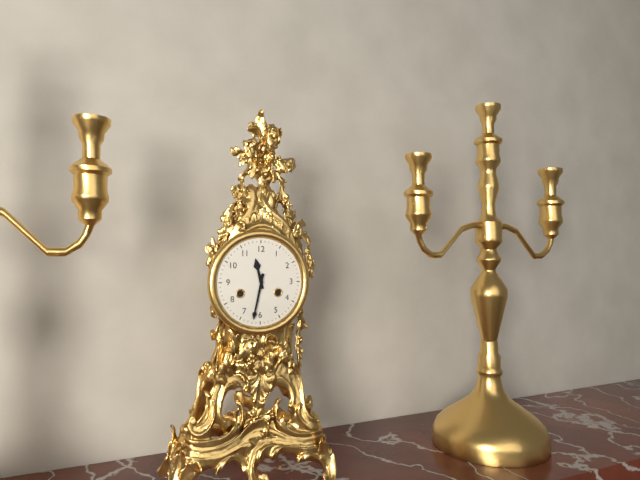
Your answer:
11:32
